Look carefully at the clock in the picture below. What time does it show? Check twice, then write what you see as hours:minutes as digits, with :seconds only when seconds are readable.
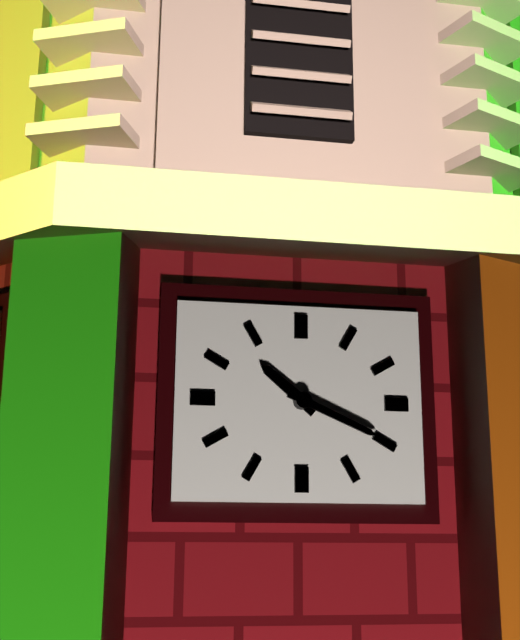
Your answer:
10:19
